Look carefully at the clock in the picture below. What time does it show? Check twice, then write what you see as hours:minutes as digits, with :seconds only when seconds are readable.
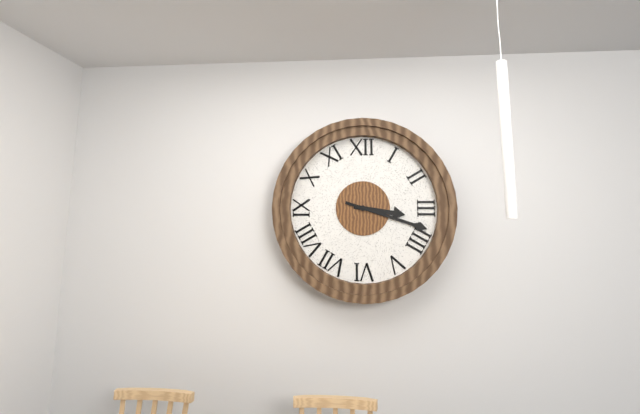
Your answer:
3:18
